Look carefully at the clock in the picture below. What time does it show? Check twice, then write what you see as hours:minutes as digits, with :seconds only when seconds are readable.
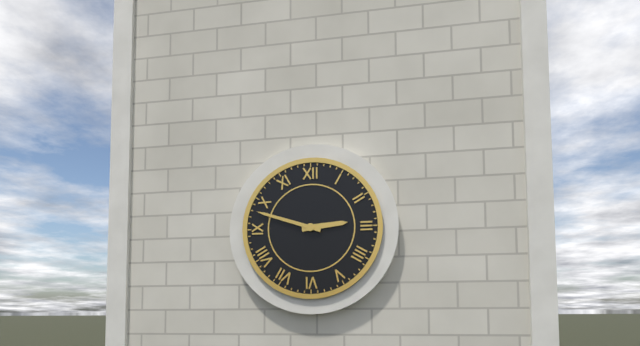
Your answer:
2:48
